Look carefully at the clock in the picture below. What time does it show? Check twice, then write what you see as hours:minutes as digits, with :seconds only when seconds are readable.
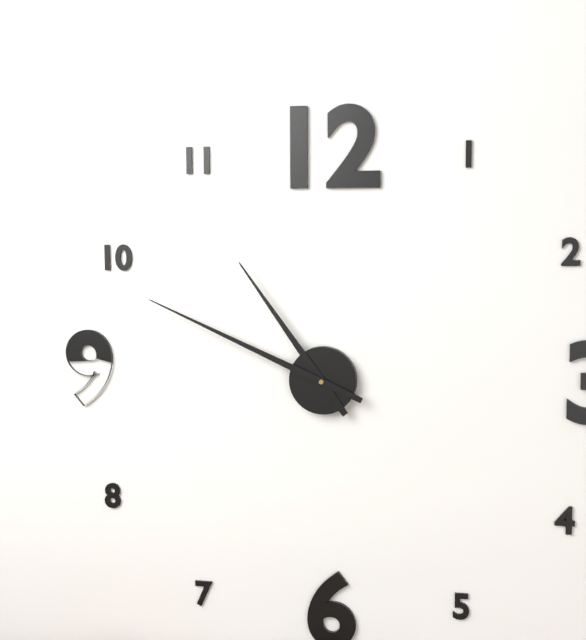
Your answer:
10:49
